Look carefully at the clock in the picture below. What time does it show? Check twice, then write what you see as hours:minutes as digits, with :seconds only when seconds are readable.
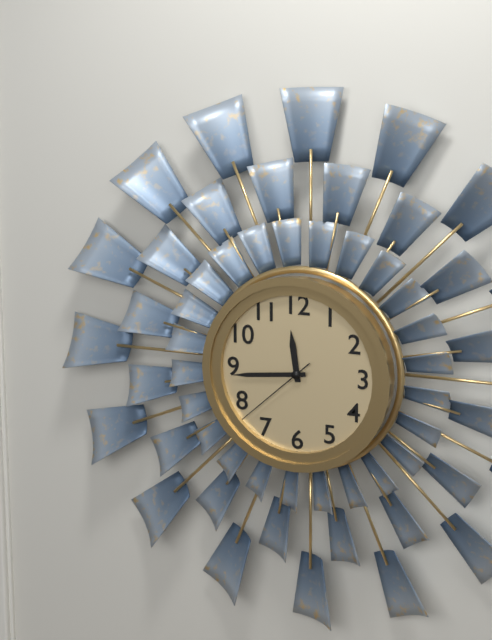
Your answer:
11:44:38
